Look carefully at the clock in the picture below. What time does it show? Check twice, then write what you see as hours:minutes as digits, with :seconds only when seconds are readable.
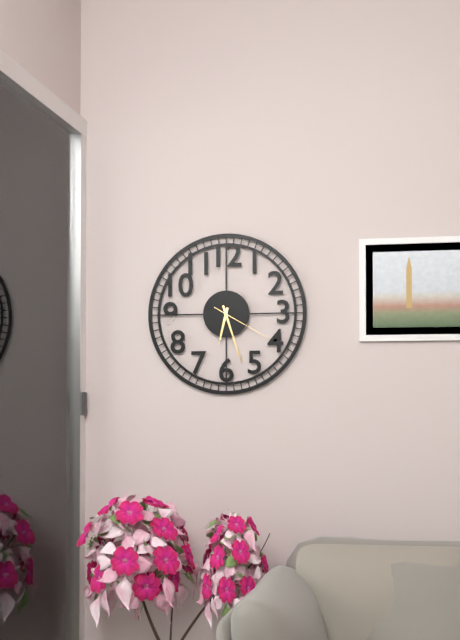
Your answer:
6:27:20
